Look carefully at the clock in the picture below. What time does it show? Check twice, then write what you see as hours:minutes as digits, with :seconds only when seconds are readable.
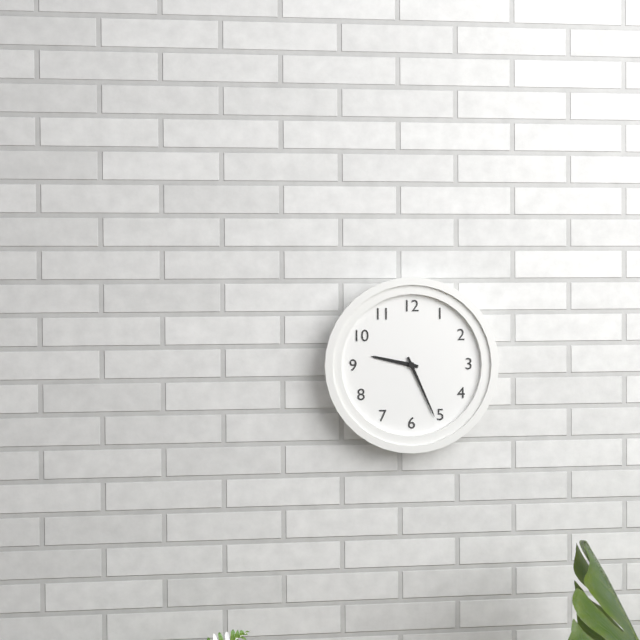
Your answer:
9:26
